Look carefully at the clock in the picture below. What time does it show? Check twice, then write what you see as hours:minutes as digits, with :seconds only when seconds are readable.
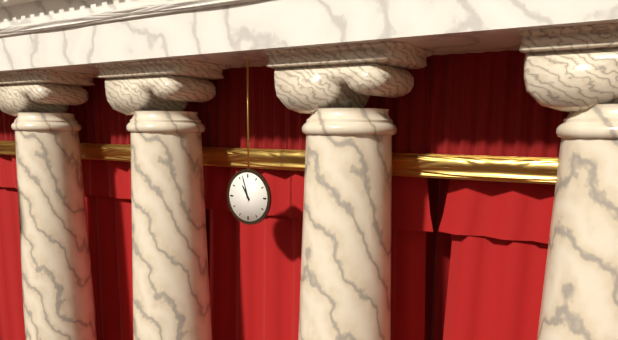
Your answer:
10:57
